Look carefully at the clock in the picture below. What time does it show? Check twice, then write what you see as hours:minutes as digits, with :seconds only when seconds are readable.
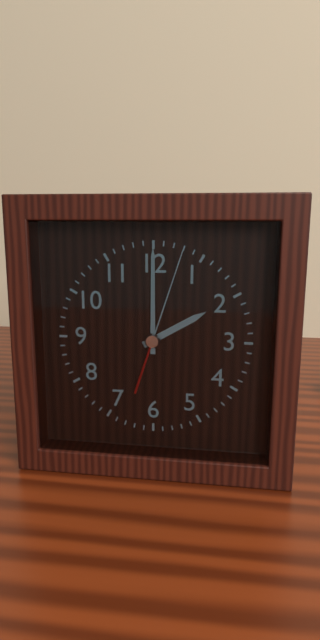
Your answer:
2:00:03
